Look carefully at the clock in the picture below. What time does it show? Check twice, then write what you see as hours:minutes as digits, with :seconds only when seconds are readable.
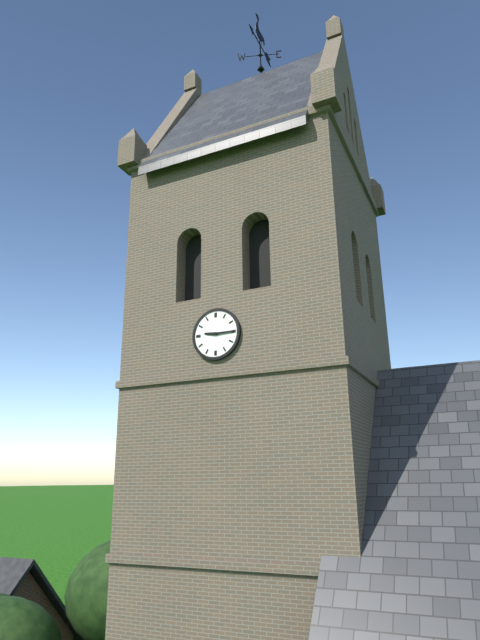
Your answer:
9:15
